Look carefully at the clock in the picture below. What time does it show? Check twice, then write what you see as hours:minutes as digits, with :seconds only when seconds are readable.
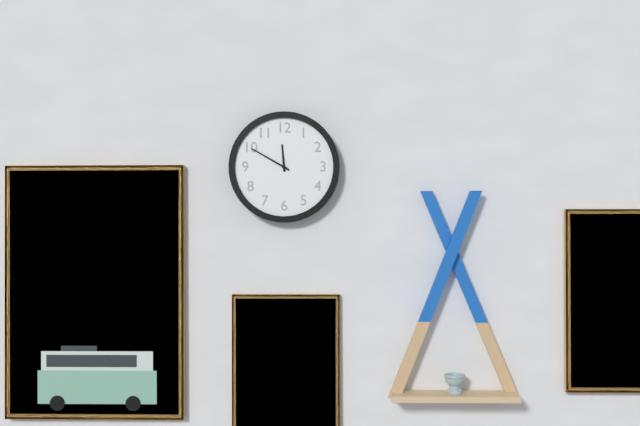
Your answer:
11:50
